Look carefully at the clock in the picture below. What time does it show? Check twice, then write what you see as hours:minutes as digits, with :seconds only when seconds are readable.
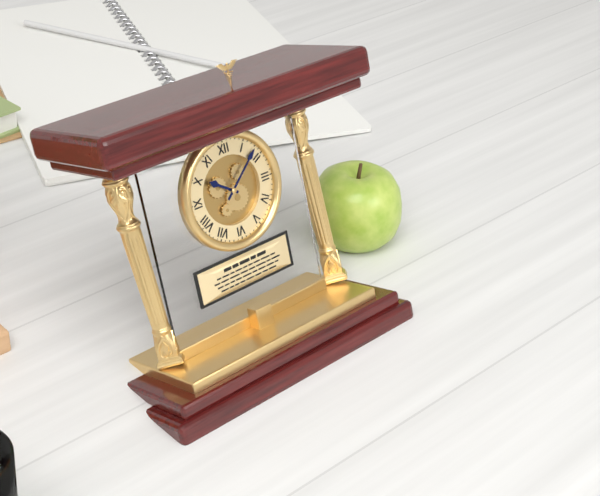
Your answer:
10:08
